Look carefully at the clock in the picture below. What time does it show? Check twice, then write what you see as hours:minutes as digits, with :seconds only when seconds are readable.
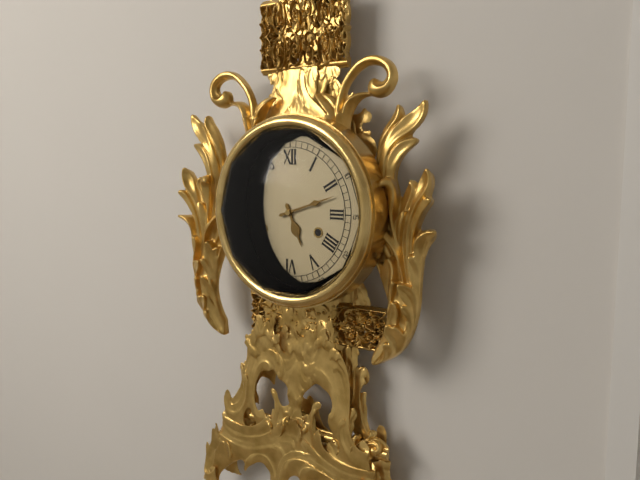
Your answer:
5:12
